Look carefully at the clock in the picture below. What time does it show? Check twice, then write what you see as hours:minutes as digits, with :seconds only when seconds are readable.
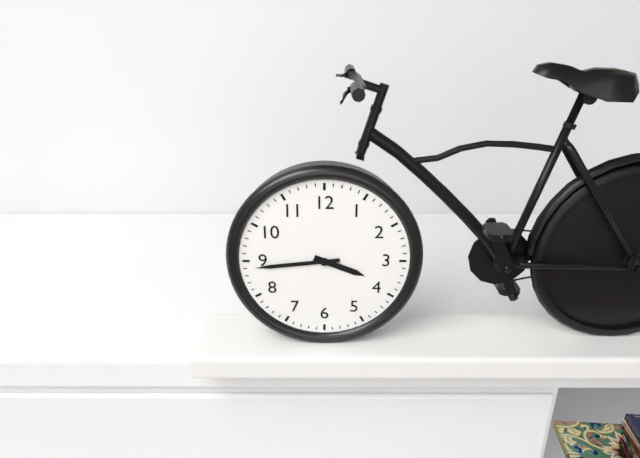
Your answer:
3:44
